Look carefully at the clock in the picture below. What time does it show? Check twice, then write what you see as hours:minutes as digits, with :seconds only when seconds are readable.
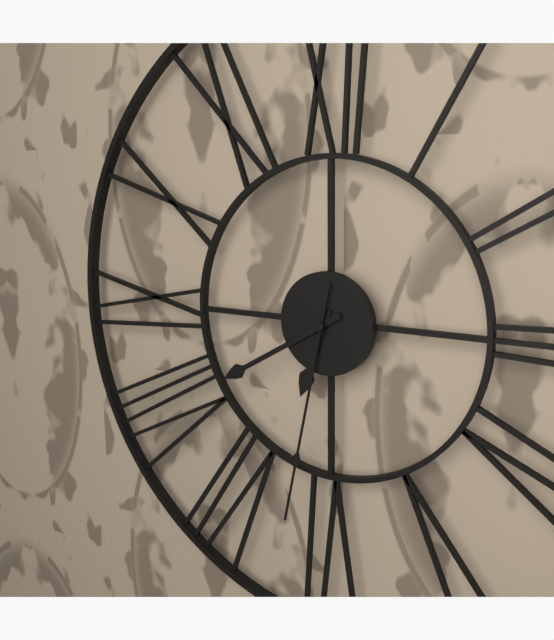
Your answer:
6:40:32
